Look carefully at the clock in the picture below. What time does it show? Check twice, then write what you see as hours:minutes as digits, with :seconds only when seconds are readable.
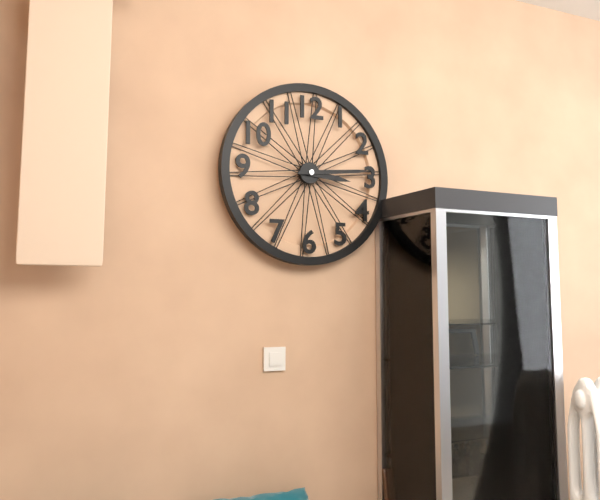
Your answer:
3:14
